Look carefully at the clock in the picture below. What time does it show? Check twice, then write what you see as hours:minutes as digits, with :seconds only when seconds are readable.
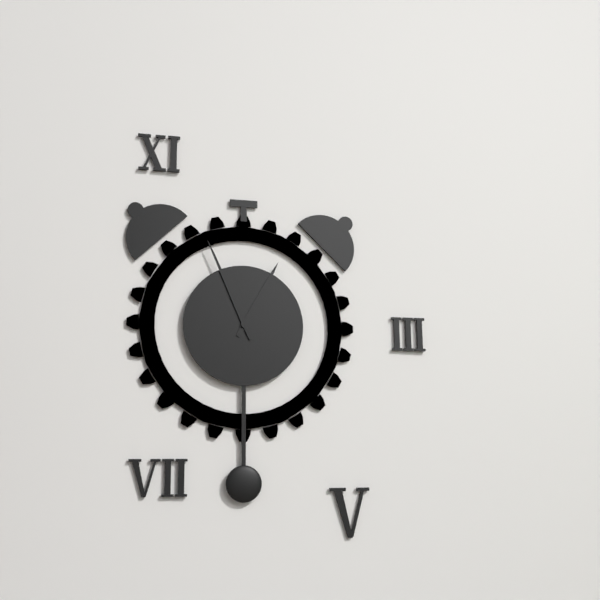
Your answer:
12:56
